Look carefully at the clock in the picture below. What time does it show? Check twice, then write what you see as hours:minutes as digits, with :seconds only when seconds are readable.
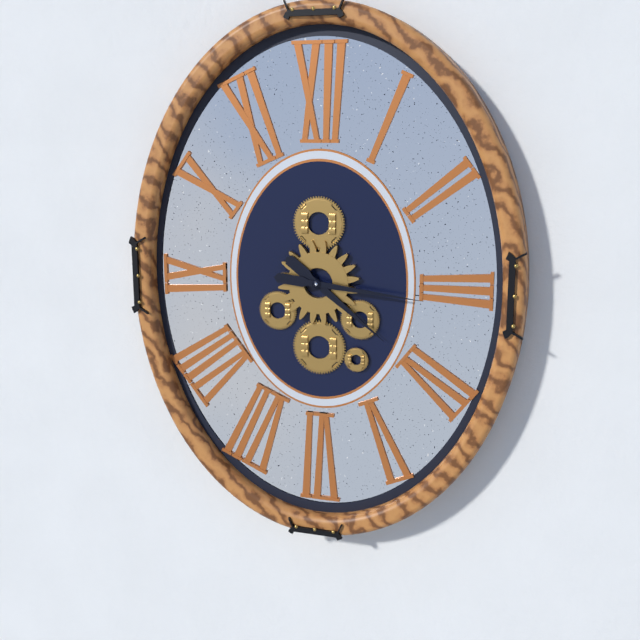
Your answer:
4:16
